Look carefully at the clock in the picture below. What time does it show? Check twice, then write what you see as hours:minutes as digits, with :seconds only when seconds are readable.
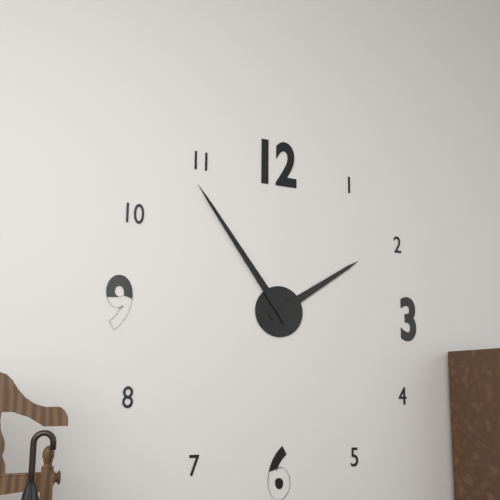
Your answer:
1:54
